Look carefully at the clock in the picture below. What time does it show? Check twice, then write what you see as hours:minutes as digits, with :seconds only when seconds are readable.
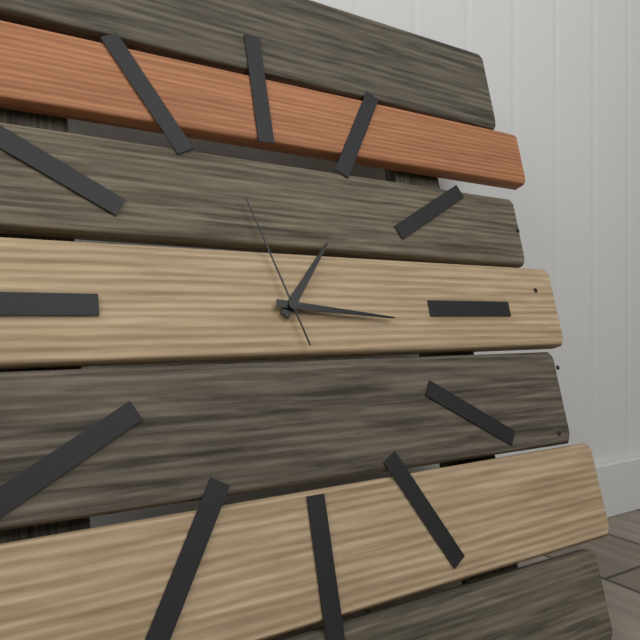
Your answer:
1:16:57
